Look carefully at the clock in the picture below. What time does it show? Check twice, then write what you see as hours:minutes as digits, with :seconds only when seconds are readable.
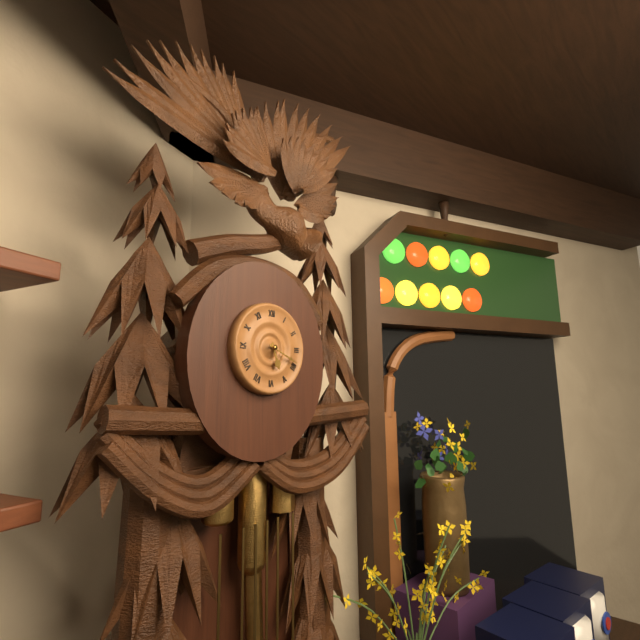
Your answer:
5:19
